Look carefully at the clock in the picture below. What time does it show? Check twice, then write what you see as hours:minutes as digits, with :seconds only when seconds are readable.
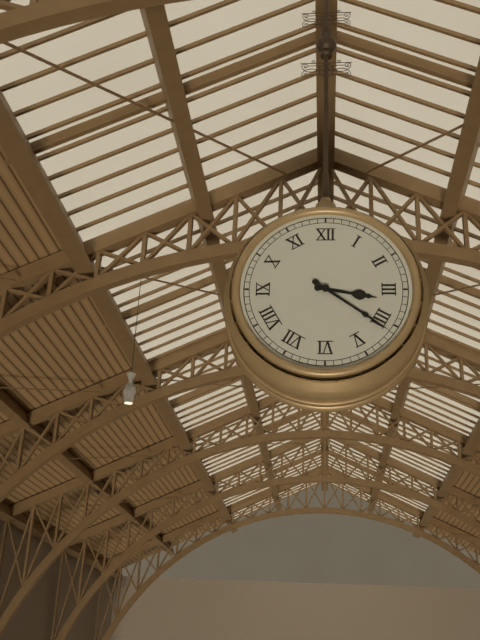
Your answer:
3:21
